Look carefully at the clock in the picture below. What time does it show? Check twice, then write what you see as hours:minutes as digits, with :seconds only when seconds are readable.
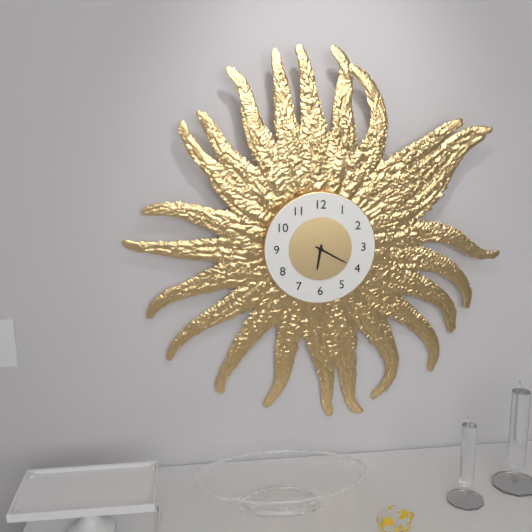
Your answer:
6:20
